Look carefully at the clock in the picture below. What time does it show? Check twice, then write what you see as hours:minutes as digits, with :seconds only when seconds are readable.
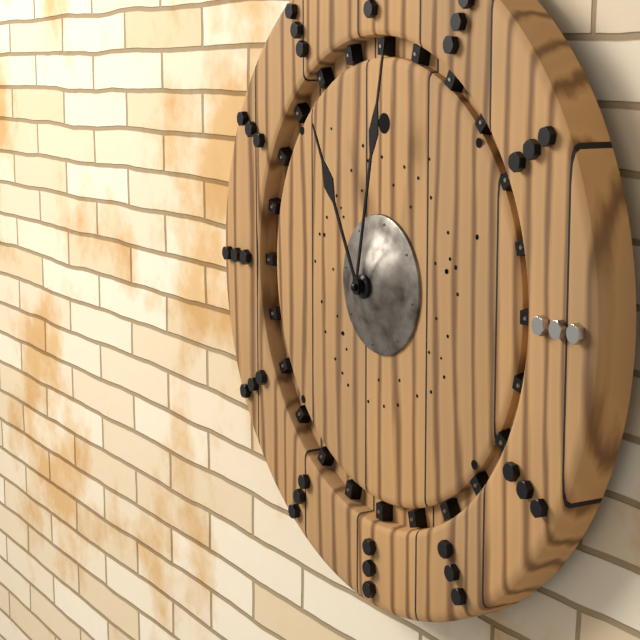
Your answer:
11:02
